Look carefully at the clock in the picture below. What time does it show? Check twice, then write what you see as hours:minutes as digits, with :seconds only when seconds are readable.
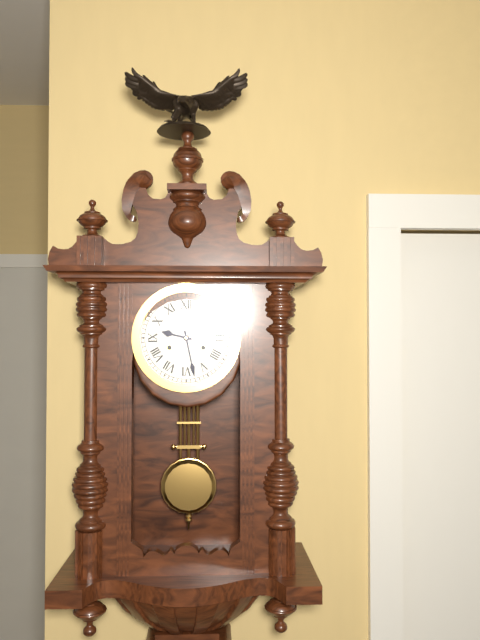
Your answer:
9:28
